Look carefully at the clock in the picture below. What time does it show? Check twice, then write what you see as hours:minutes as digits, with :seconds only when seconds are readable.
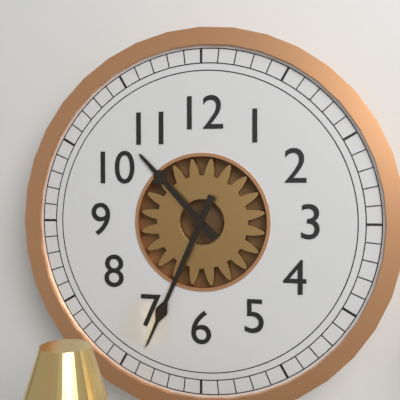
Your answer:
10:34
